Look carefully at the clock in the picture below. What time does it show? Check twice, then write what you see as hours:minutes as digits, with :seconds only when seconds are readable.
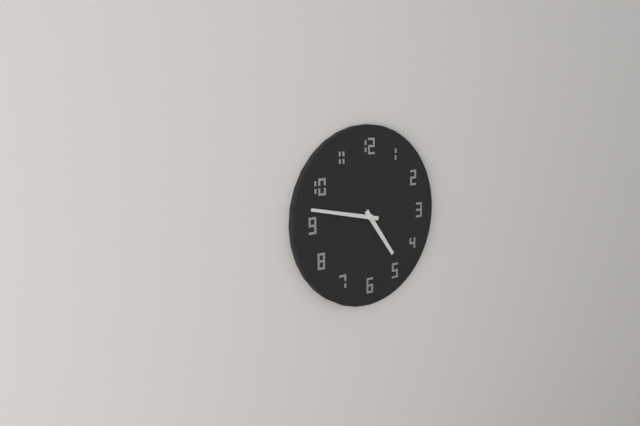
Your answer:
4:47
